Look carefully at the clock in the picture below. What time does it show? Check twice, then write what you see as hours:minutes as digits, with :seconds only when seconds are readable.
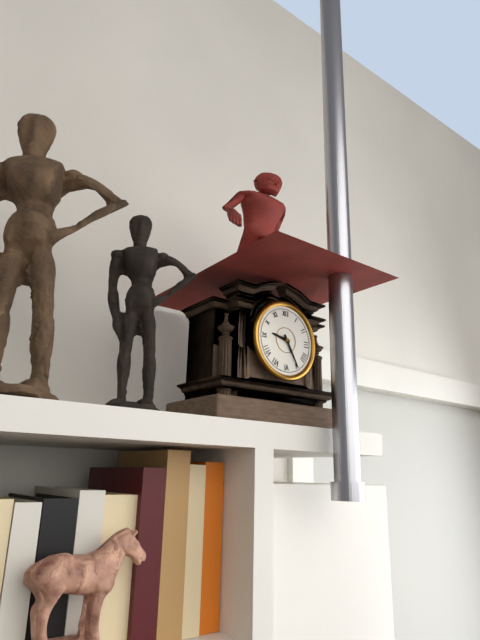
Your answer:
9:25
